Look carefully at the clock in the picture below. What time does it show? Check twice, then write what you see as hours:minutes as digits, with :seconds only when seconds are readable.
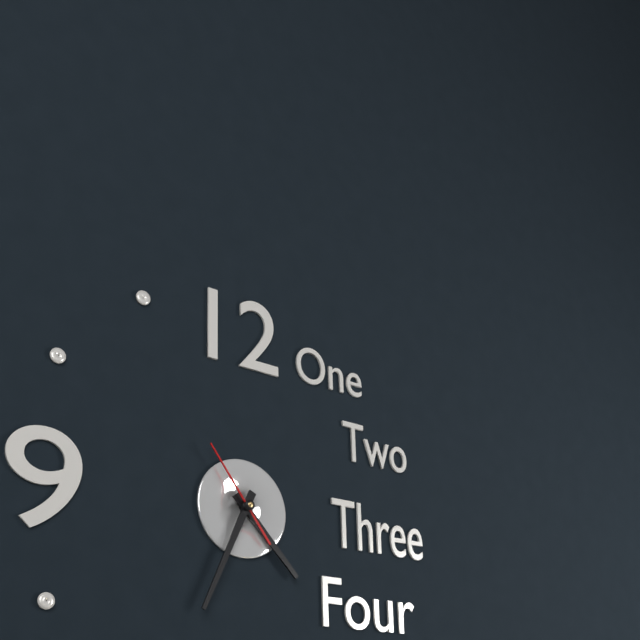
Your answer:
4:34:54
